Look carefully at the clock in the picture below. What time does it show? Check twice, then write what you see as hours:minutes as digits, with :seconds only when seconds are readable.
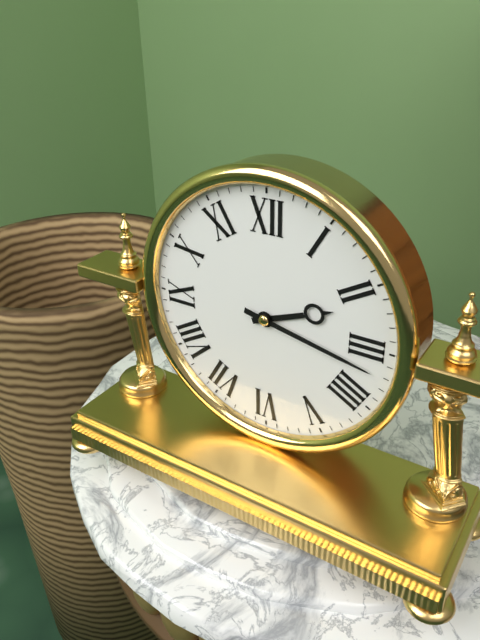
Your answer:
2:17
